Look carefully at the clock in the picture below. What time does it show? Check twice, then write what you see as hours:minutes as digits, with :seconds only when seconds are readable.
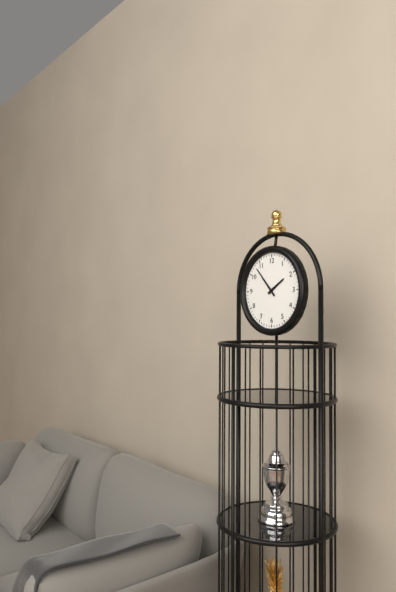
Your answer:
1:53
